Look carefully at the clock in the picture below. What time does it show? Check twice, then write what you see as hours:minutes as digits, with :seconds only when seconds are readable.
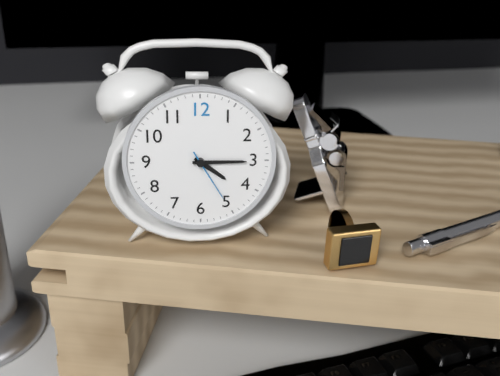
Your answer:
4:15:25
